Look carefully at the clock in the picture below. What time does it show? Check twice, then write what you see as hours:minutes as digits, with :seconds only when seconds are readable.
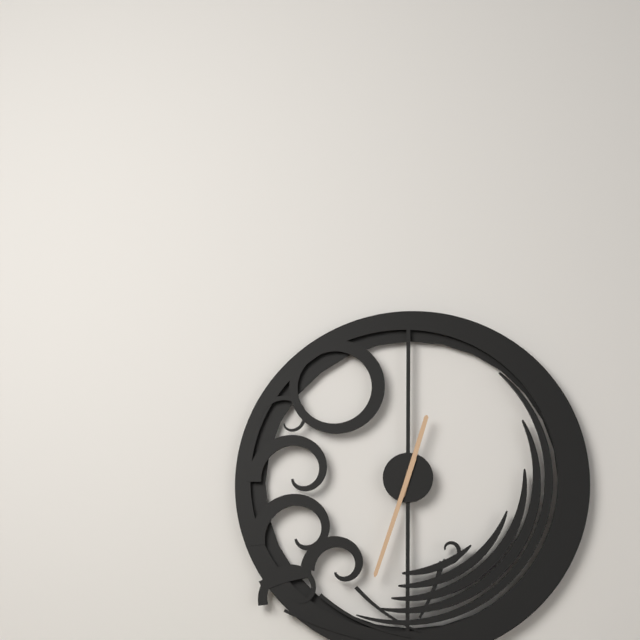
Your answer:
12:33
